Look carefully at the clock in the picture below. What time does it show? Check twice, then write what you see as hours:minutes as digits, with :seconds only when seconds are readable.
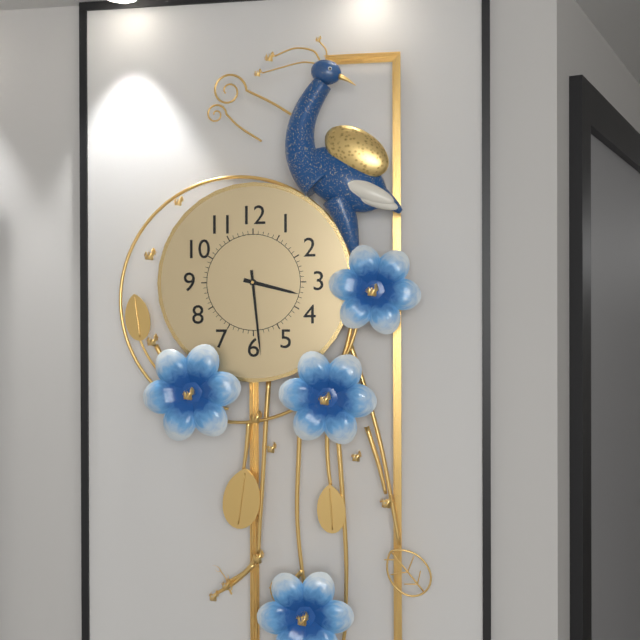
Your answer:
3:29
